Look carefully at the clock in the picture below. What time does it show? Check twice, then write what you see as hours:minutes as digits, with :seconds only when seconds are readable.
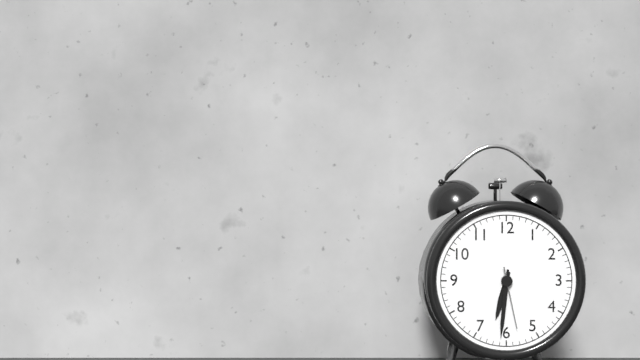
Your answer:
6:31:28
